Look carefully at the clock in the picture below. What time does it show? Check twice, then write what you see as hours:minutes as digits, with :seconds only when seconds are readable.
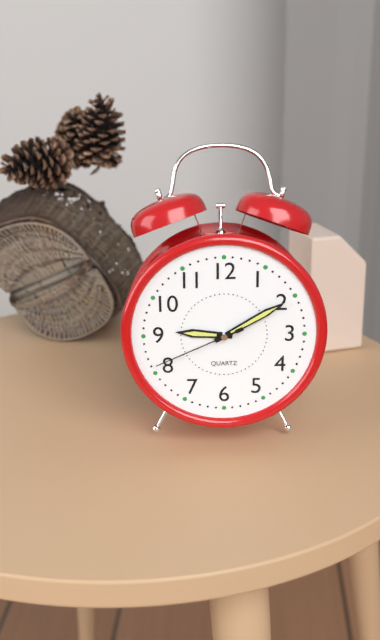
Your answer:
9:10:41
